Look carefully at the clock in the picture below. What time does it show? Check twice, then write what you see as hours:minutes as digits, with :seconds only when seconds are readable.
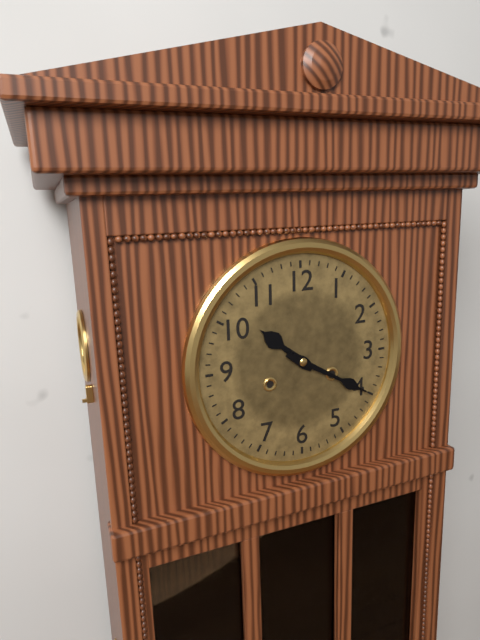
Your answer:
10:20
